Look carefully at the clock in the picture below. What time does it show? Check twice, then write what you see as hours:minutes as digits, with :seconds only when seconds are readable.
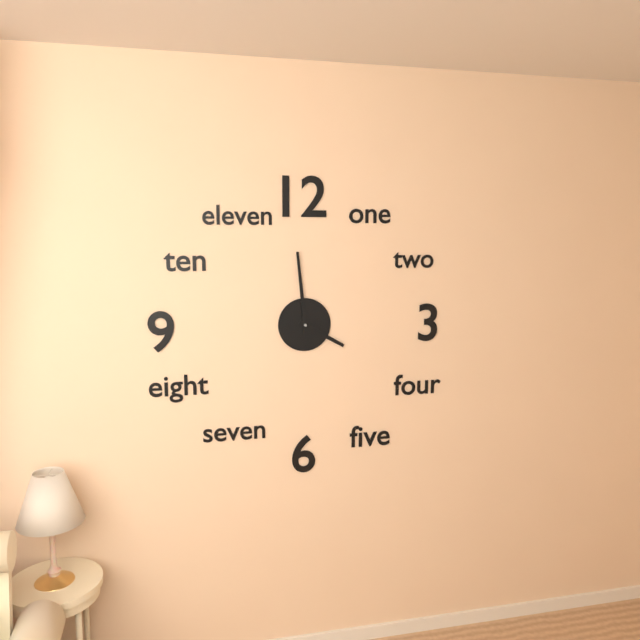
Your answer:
3:59
